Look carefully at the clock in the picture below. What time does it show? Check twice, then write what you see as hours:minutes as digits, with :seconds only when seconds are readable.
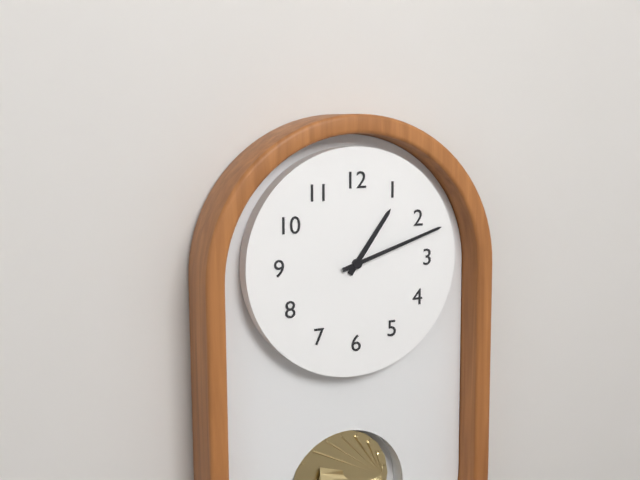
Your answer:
1:12
